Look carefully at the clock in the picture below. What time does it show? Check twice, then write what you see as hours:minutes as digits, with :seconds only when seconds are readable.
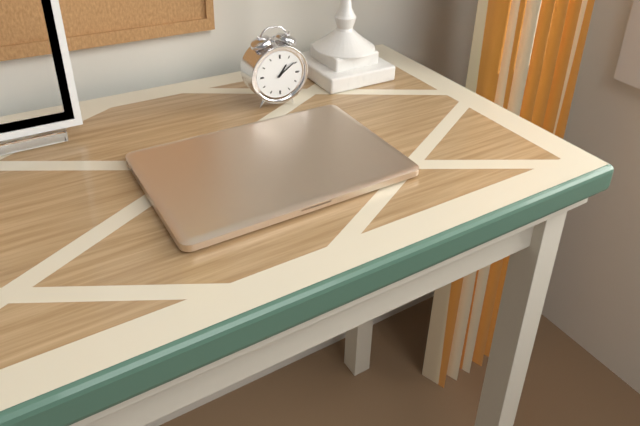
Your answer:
1:09
